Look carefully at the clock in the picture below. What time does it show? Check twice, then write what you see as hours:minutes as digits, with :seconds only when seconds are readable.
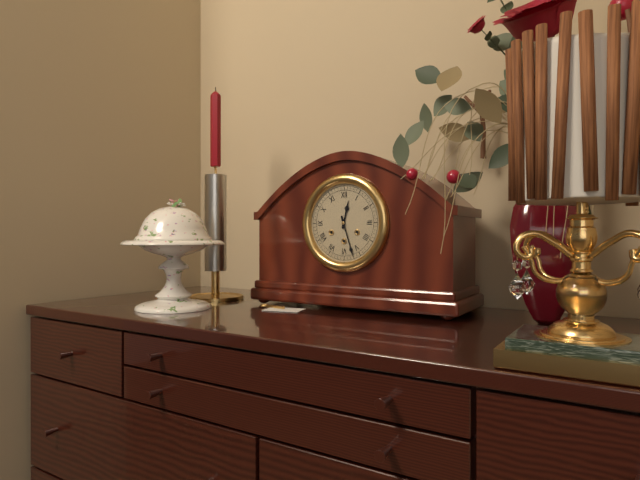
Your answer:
12:27
